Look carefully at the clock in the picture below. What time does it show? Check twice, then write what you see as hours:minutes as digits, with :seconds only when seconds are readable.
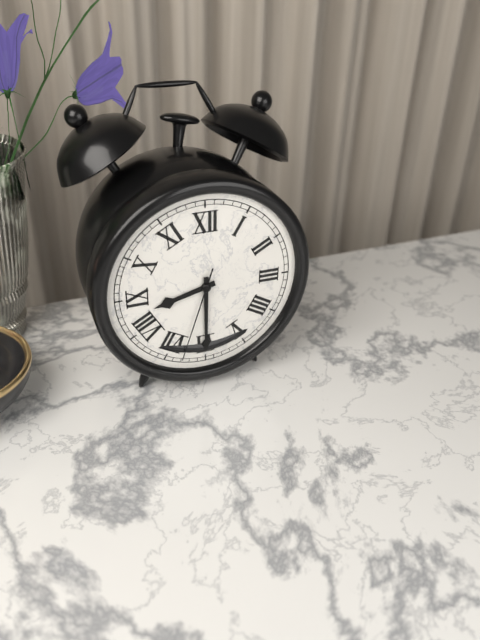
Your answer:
8:30:33
